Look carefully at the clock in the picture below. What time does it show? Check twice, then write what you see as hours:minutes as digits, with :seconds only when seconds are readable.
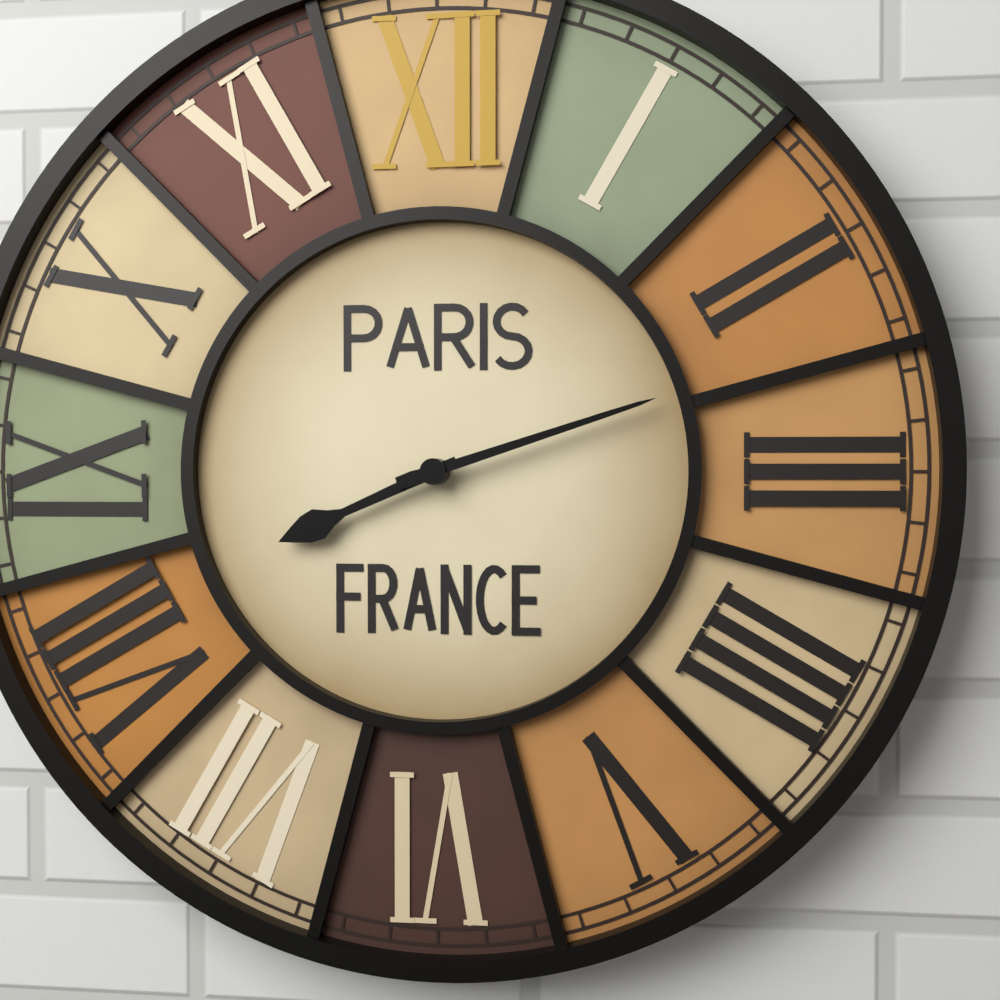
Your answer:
8:12
